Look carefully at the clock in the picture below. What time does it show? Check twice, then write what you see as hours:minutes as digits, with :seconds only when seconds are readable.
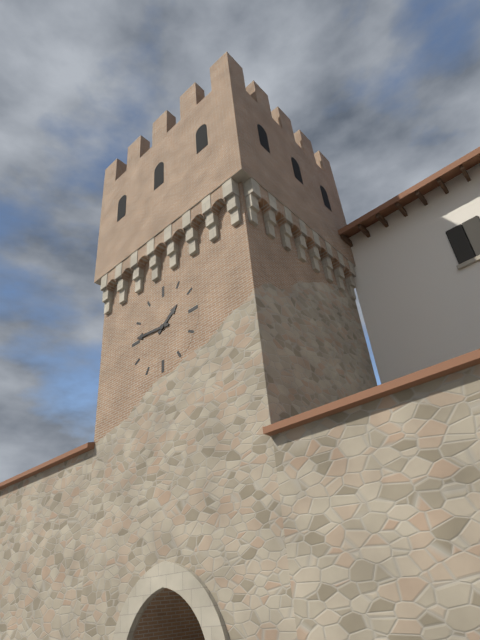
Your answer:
1:46
